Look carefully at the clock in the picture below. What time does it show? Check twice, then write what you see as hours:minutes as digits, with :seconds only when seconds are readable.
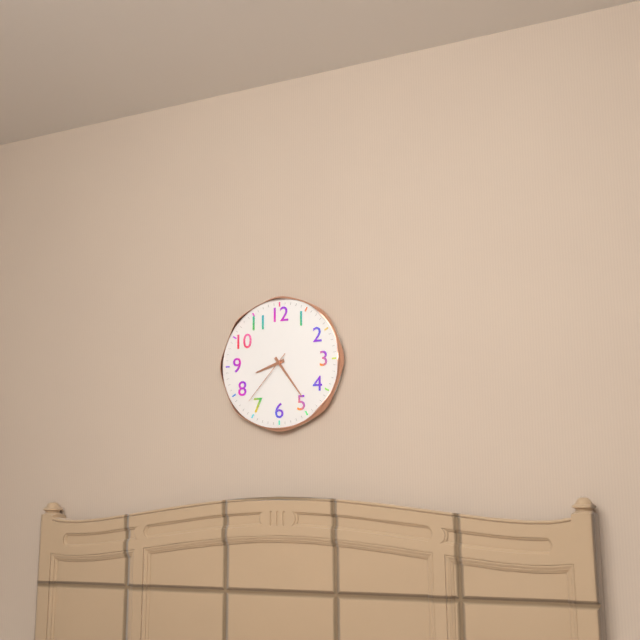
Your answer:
8:24:37
